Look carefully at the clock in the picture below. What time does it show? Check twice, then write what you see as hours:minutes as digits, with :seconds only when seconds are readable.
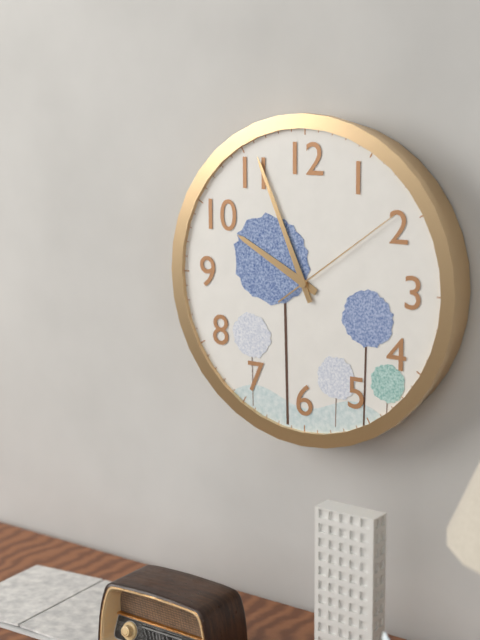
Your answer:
9:56:09
